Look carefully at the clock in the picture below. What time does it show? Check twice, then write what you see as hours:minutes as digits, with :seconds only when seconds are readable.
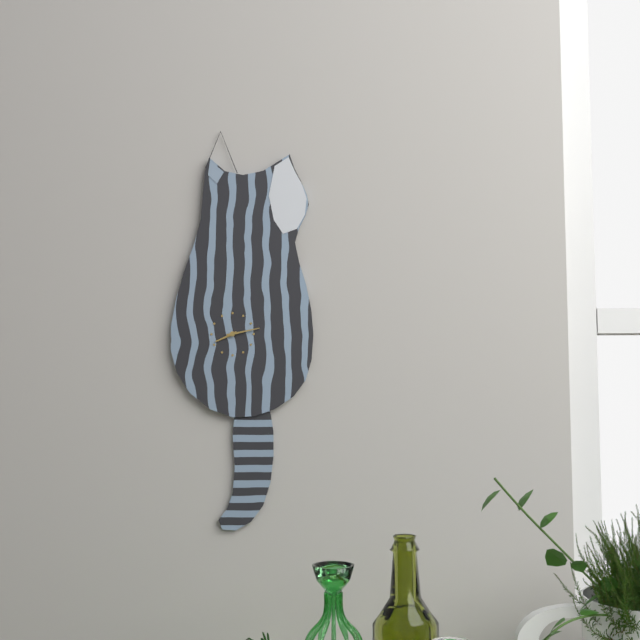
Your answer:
8:13
